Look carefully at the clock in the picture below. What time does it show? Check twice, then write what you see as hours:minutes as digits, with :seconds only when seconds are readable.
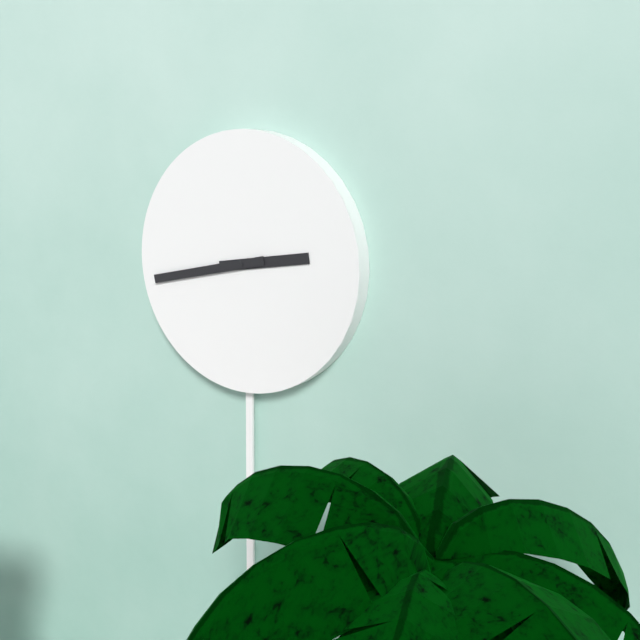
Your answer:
2:43
